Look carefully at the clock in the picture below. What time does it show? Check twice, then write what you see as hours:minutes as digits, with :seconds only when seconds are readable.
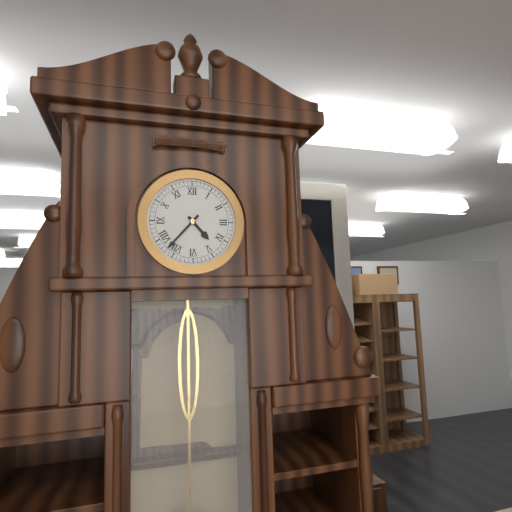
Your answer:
4:37
